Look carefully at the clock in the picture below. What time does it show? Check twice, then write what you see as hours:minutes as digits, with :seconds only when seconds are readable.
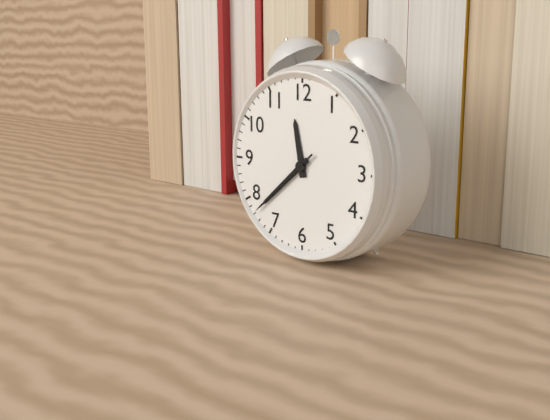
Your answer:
11:38:38
